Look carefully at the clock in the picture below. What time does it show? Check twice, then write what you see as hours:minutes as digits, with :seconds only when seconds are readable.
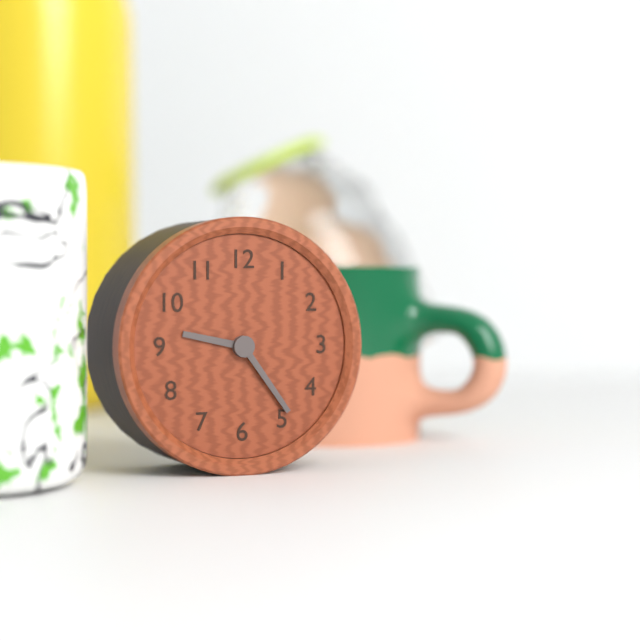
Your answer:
9:24
